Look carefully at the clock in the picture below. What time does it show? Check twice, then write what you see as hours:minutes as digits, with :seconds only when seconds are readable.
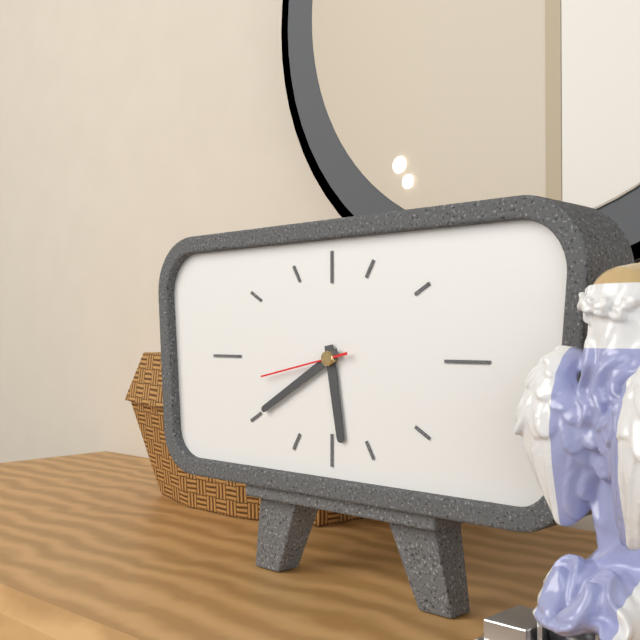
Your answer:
5:40:43
